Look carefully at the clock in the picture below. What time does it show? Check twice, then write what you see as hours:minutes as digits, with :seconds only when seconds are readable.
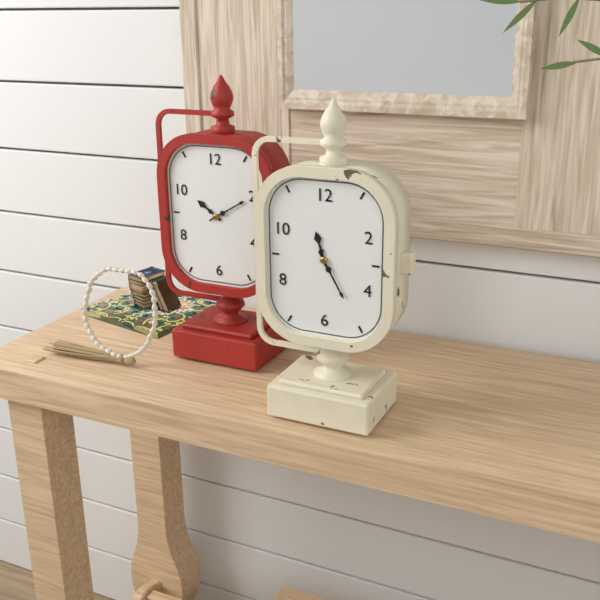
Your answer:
11:25
